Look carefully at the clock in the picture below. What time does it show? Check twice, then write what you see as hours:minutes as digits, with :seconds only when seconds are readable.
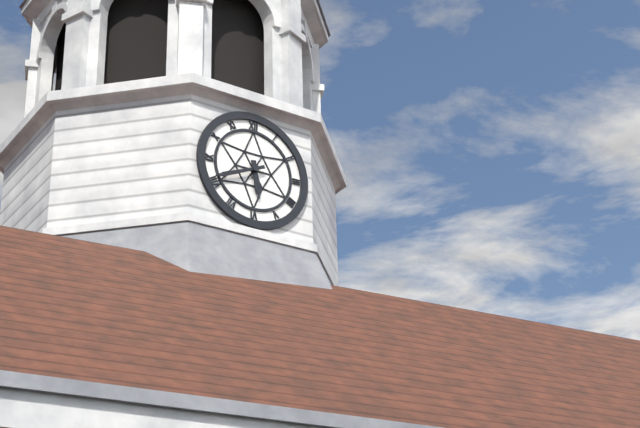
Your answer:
5:41
